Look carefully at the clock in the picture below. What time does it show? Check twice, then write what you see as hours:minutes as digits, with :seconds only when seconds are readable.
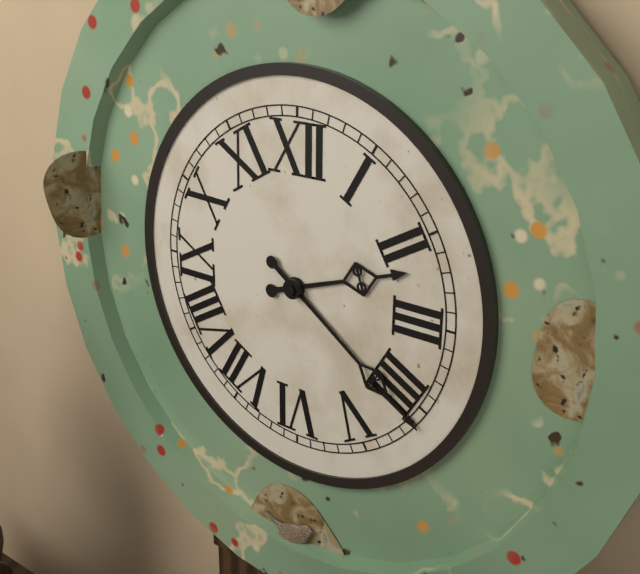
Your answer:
2:21
